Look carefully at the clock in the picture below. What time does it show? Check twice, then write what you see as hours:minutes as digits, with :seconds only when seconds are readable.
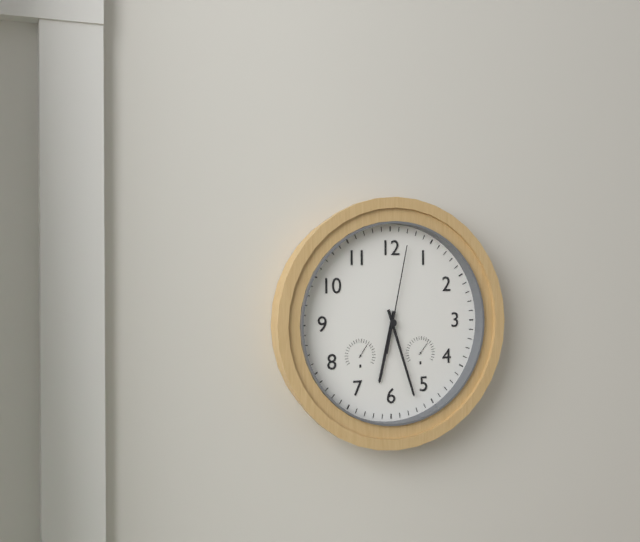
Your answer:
6:27:02
